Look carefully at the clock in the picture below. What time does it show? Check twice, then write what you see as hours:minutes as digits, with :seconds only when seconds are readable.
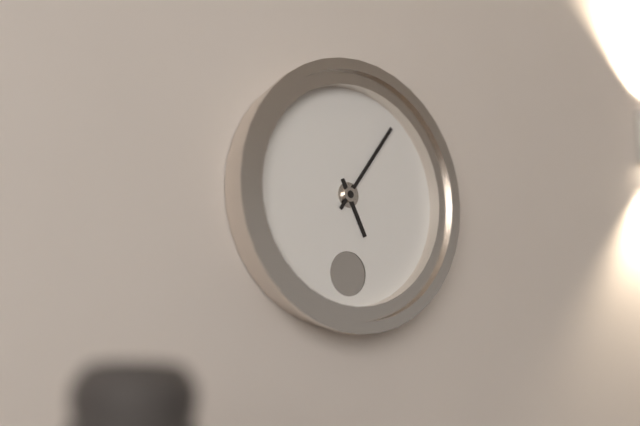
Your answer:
5:06
